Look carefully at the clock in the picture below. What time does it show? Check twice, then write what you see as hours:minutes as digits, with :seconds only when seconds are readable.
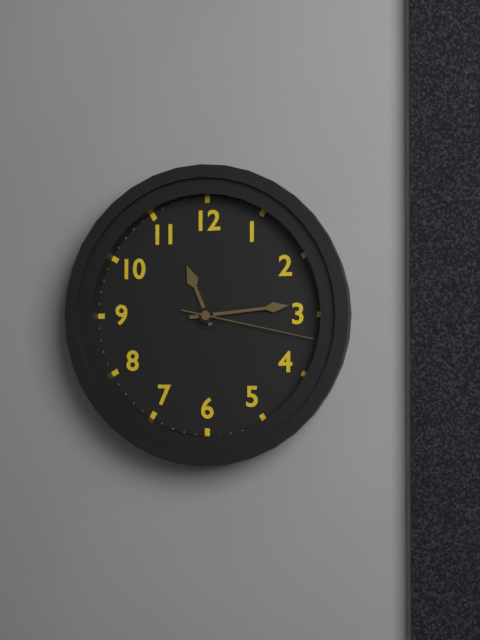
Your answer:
11:14:17
